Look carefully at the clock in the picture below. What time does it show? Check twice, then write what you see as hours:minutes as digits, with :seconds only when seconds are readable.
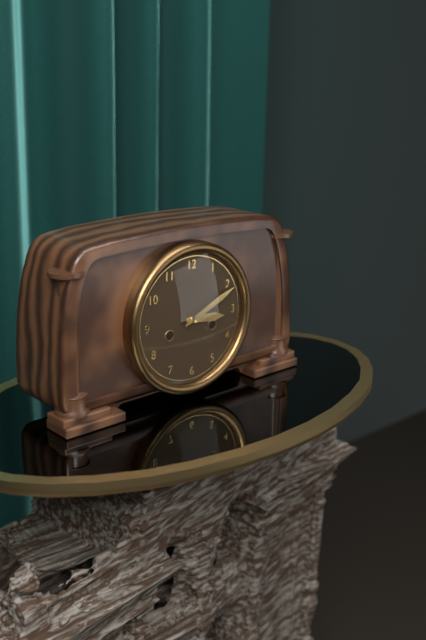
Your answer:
3:11
